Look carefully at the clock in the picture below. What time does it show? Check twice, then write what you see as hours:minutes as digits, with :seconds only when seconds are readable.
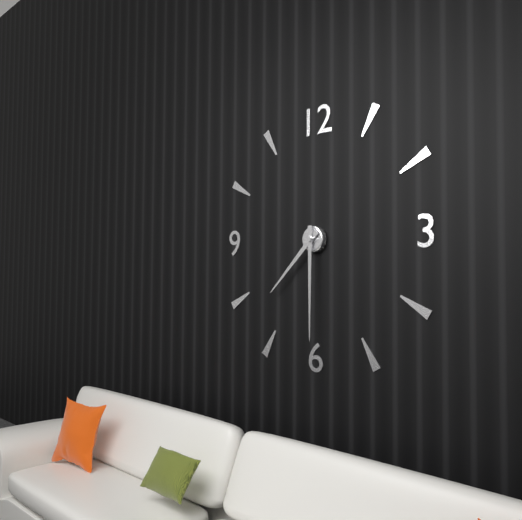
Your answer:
7:30
